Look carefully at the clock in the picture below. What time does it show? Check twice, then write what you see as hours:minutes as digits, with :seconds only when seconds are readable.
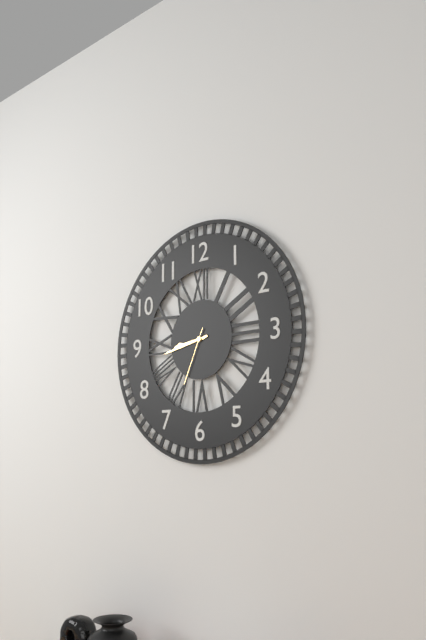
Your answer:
8:43:34
